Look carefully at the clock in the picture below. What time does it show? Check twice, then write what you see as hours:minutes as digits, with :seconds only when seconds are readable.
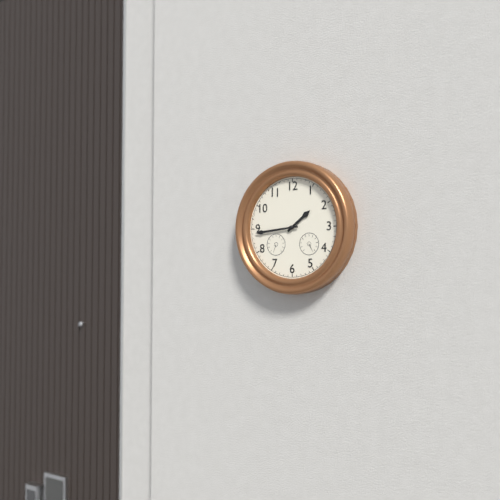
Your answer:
1:44
